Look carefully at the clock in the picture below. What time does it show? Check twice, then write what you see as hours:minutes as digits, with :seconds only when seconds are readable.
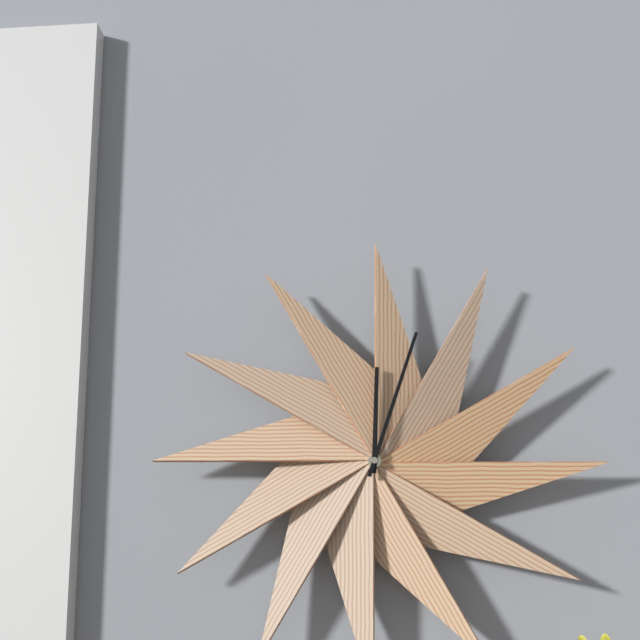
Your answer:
12:03
